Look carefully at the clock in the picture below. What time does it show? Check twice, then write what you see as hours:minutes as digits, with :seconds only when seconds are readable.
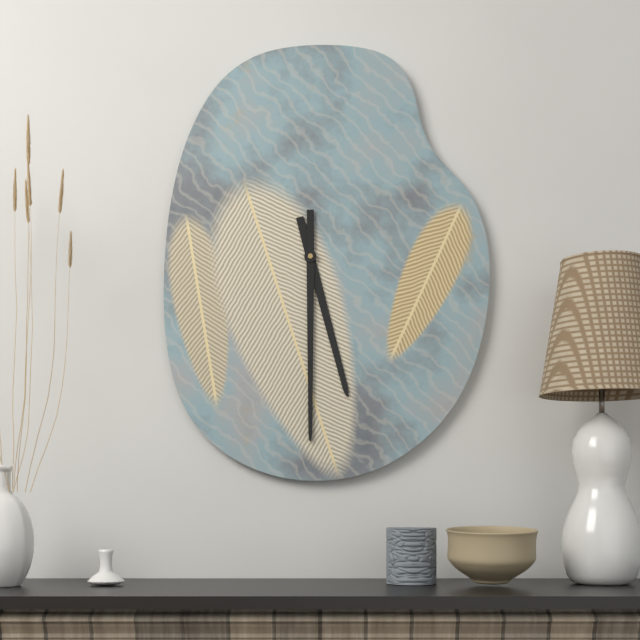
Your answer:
5:30
